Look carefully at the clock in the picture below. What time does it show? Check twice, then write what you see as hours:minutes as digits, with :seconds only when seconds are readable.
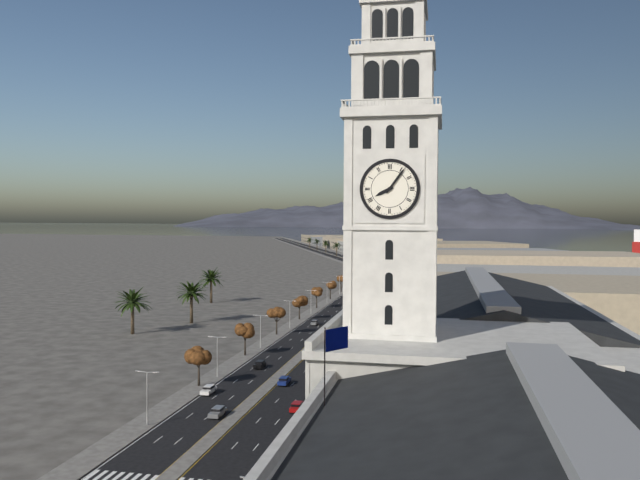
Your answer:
8:06
